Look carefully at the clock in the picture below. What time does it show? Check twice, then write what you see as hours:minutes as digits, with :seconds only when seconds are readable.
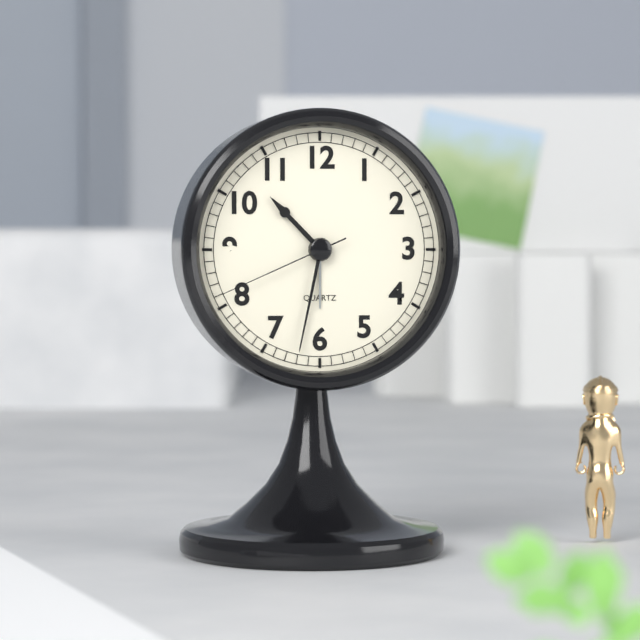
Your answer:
10:32:41
